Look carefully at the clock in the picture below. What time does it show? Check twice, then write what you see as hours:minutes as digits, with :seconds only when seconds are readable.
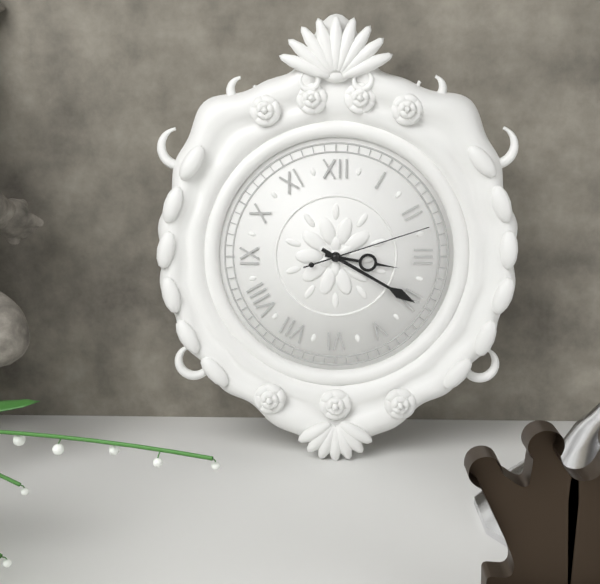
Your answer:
3:20:12
